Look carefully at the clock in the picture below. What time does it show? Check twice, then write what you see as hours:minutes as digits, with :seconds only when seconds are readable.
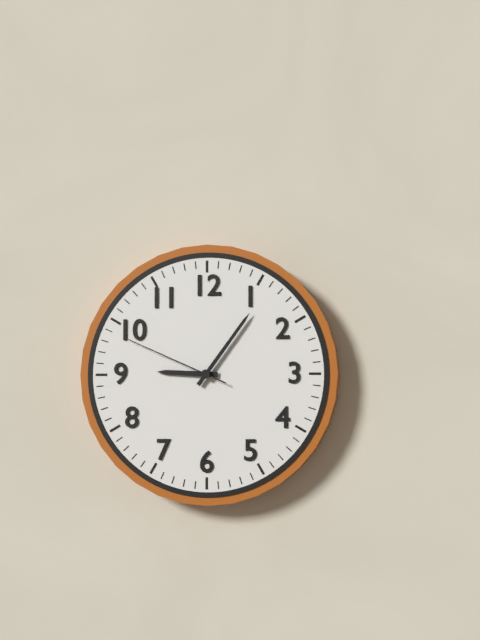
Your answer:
9:06:49
